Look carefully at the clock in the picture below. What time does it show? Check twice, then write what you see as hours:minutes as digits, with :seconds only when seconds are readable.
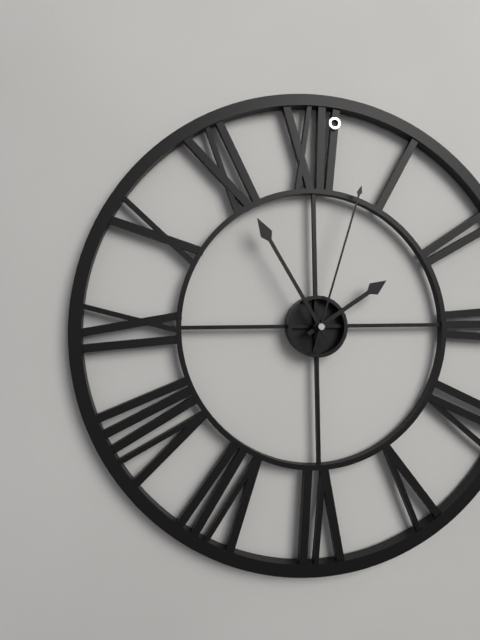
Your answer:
1:55:03
